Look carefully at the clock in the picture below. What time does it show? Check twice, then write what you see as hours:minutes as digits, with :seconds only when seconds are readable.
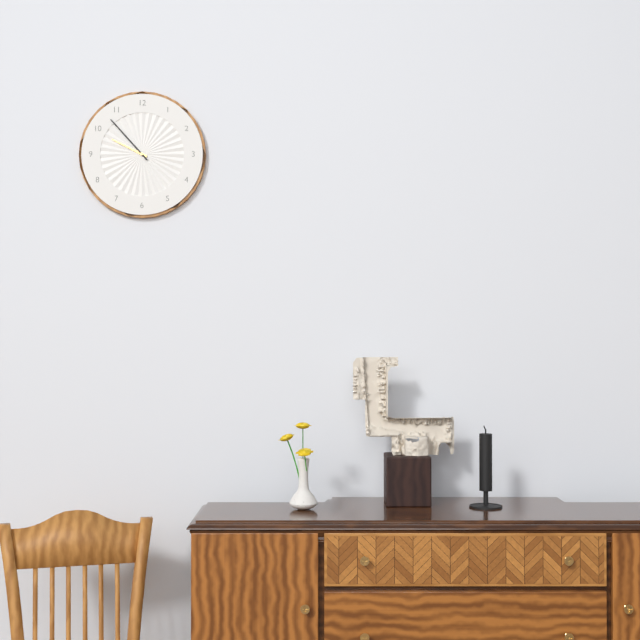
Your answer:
9:53
